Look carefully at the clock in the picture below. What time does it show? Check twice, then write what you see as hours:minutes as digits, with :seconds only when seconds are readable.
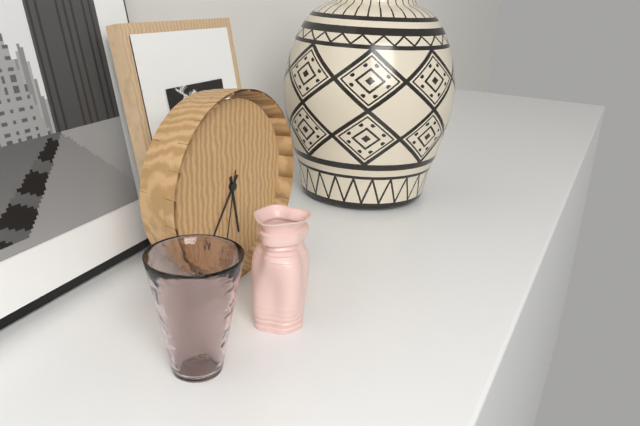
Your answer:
5:36:32
